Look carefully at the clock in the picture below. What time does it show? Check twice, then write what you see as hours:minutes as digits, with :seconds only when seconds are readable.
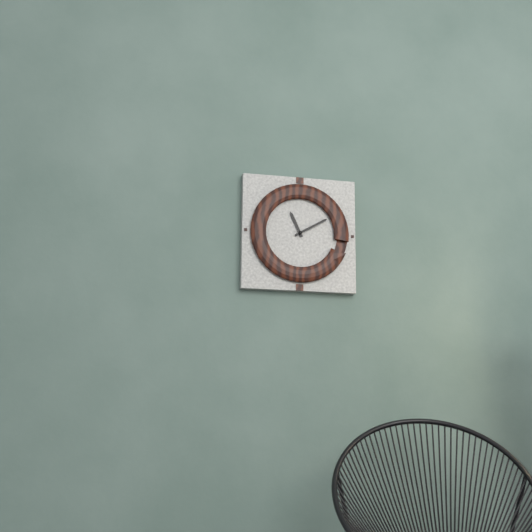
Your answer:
11:10
